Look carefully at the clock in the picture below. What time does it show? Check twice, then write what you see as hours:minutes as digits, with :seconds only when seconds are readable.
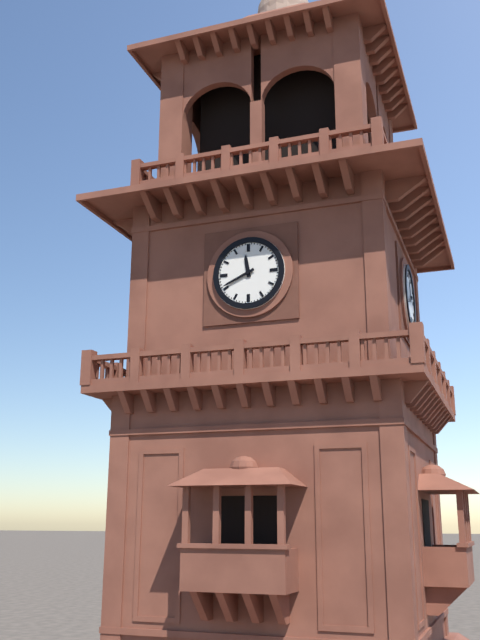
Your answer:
11:41
